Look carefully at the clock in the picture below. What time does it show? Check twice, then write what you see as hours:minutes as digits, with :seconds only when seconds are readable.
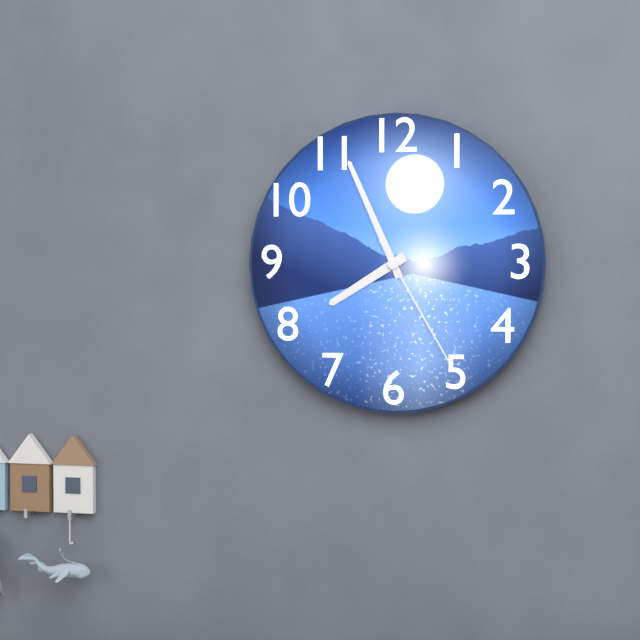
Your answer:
7:56:25
